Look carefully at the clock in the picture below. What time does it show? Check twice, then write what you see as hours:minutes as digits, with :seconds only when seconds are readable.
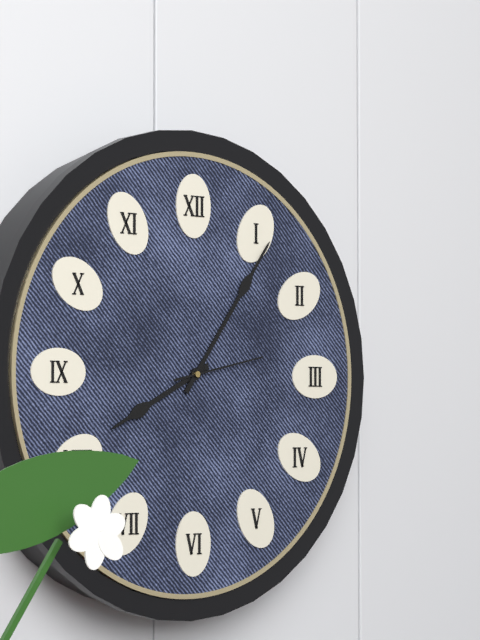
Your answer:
8:06:13
